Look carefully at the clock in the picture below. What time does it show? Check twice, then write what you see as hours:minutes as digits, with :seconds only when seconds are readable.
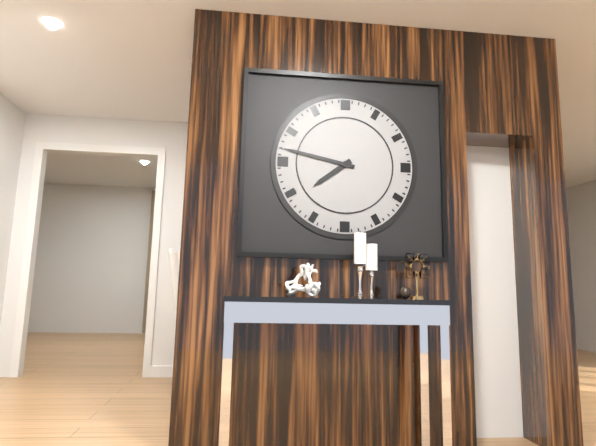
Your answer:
7:47
